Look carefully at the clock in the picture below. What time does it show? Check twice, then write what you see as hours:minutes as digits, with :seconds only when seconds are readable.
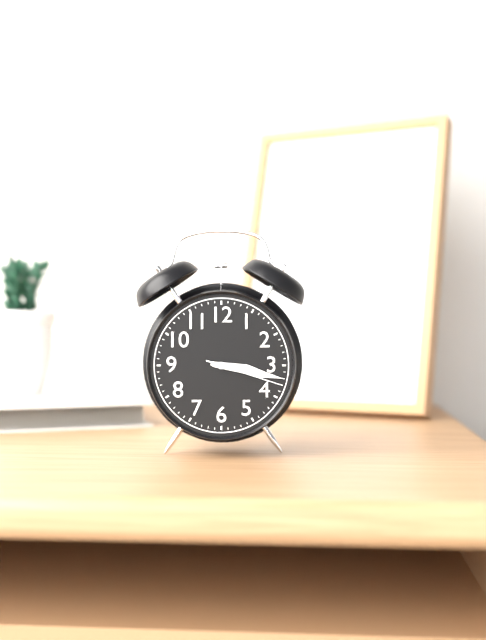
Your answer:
3:17:18
